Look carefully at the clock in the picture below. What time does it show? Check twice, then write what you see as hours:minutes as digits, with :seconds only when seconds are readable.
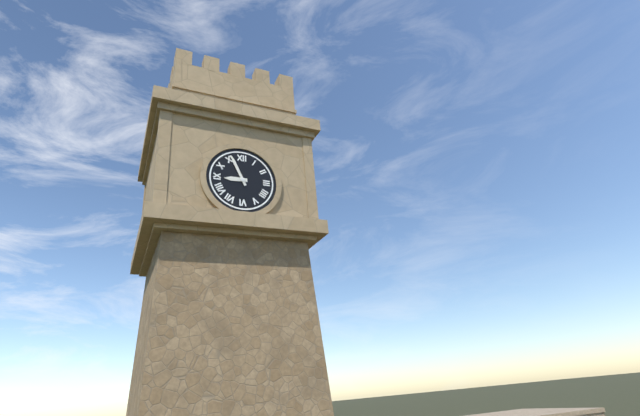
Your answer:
8:56
